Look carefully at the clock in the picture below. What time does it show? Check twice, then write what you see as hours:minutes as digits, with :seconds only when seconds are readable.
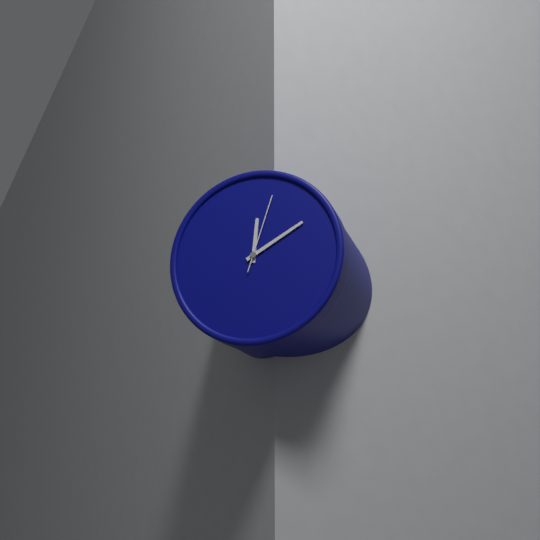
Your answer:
12:10:03
